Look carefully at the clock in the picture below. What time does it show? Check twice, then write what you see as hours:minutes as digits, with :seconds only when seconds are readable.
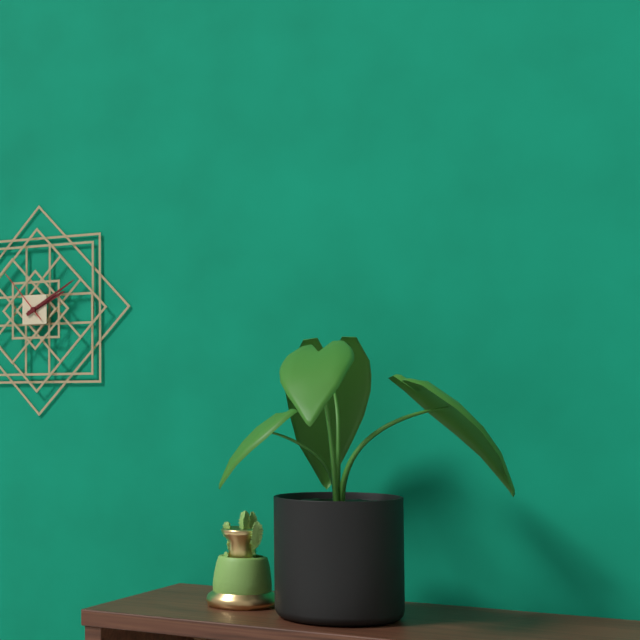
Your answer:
2:10:53
